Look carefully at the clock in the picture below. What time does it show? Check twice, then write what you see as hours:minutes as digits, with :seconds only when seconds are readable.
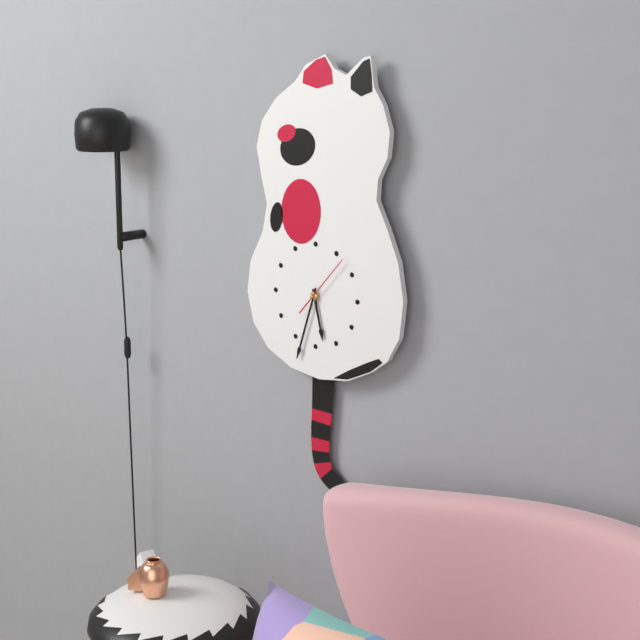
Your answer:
5:33:07
